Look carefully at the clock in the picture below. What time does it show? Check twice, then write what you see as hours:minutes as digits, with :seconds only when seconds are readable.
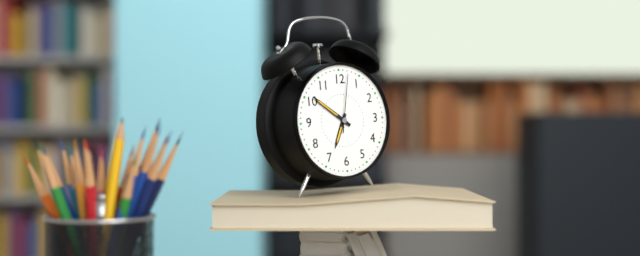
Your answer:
6:51:02
